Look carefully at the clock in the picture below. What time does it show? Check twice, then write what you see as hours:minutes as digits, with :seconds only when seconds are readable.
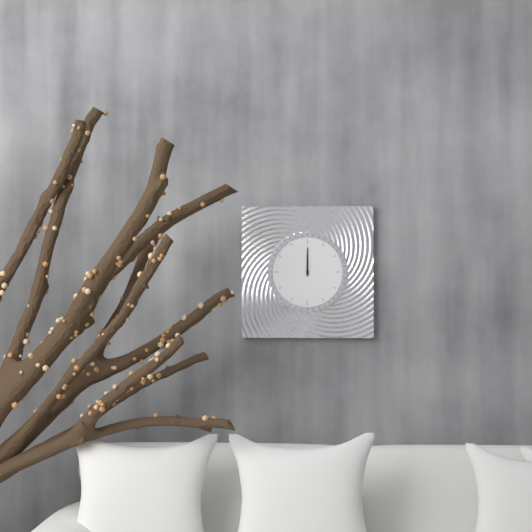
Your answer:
12:00
